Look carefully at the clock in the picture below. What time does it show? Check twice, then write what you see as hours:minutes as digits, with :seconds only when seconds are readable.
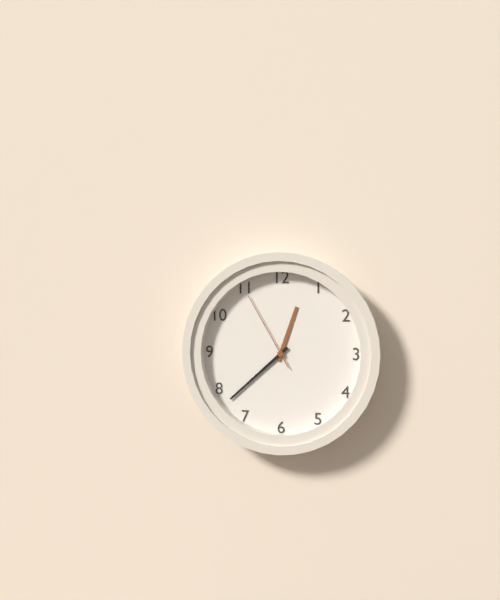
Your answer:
12:38:55
